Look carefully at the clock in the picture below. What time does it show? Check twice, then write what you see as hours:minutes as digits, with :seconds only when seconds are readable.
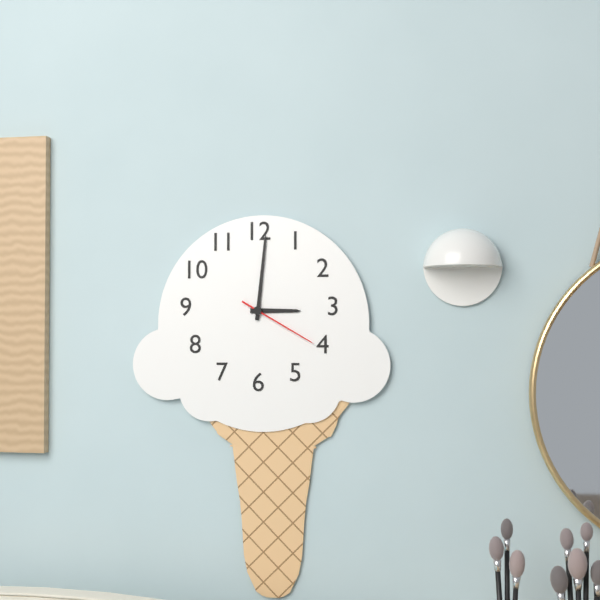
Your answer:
3:01:20
